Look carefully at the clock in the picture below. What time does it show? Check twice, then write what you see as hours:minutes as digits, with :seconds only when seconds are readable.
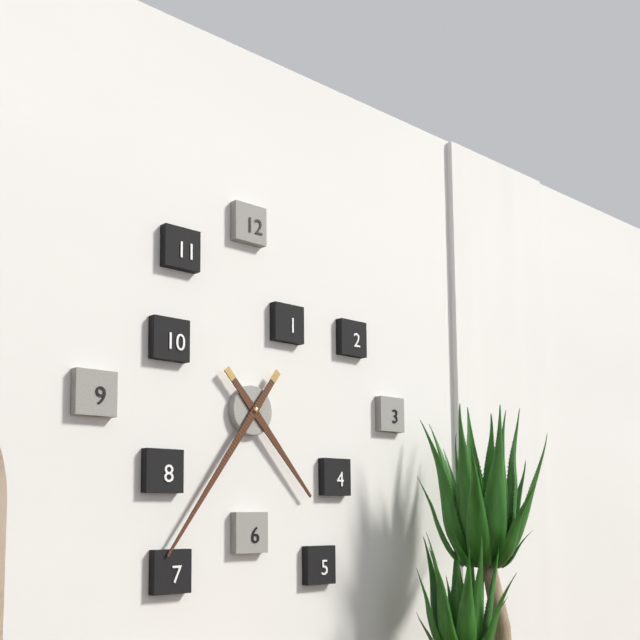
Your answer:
4:36
